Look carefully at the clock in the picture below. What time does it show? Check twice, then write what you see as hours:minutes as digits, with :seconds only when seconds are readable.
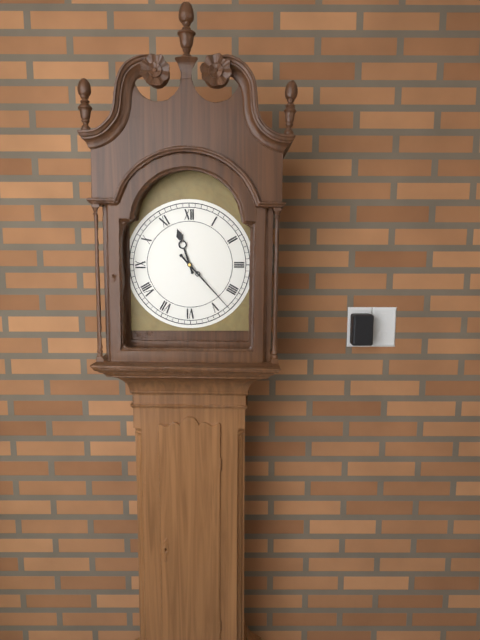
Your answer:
11:23
